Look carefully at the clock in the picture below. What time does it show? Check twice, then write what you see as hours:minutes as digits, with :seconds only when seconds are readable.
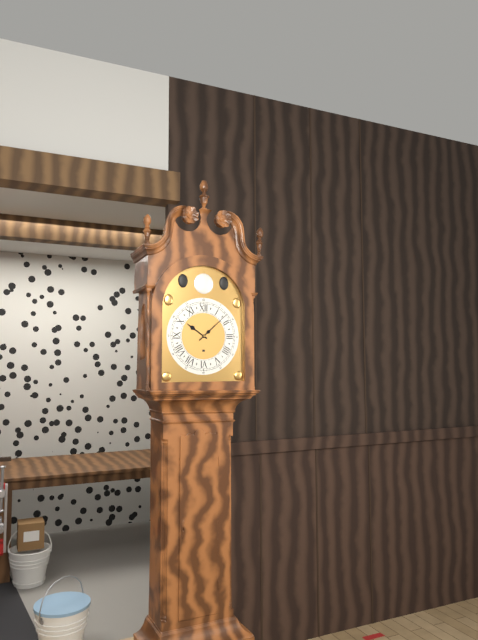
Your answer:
10:08
